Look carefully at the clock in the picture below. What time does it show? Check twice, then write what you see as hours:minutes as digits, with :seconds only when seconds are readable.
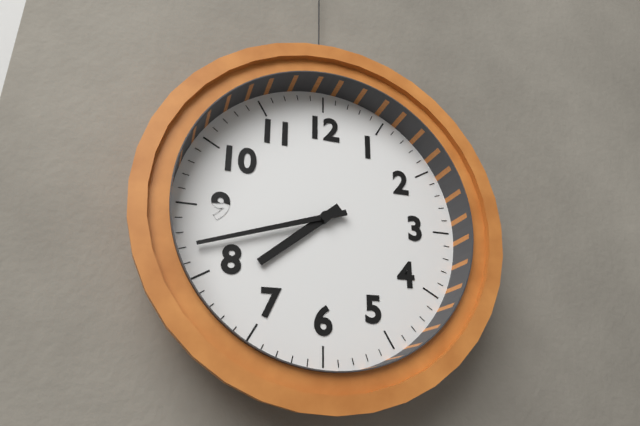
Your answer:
7:42
